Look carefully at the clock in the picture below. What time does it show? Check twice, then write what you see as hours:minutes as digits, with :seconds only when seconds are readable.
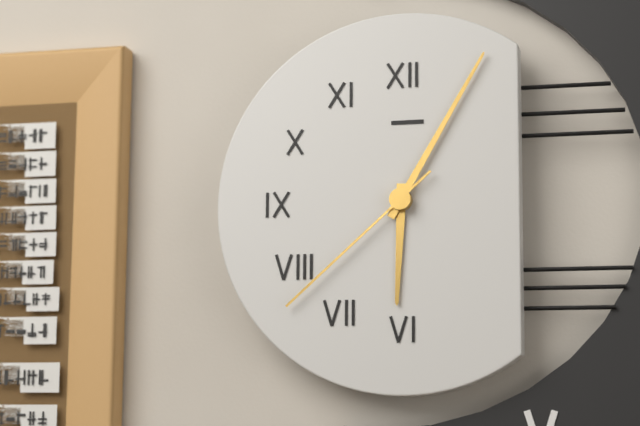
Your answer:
6:05:38
